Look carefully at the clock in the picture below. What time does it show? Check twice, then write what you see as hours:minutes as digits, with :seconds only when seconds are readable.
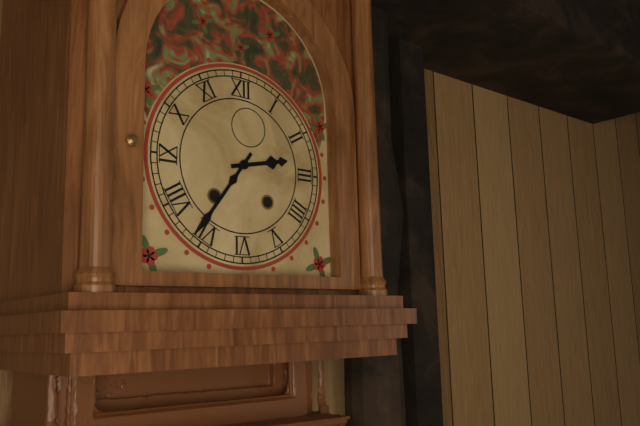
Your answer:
2:36
